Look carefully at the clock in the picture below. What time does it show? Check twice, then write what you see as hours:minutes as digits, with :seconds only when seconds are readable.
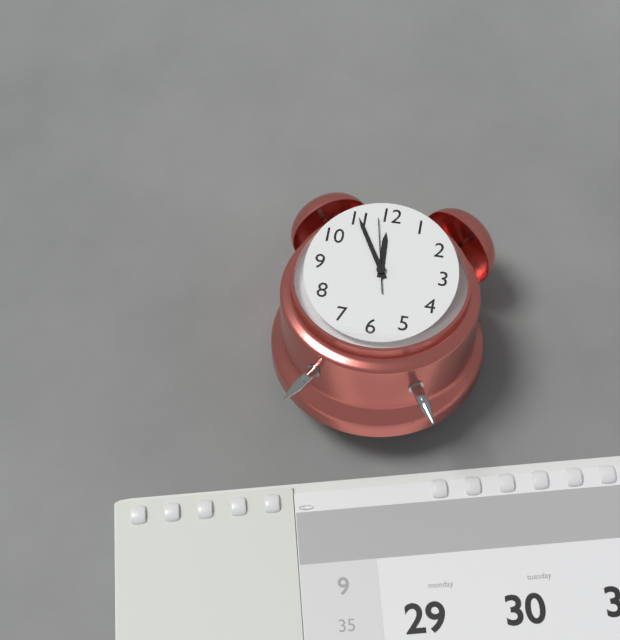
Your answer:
11:55:58
